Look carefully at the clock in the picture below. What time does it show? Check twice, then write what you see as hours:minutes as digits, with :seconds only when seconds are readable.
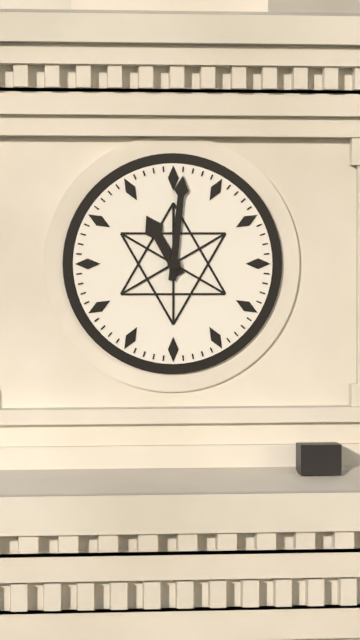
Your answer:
11:01
